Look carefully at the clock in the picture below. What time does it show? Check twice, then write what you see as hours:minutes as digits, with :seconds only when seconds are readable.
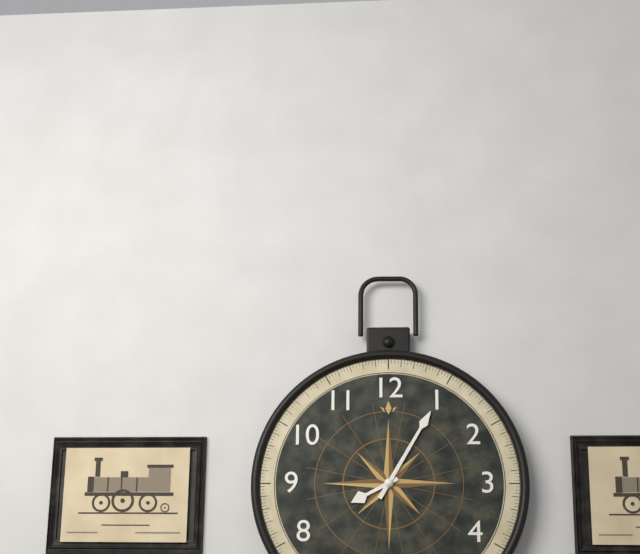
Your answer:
8:05
